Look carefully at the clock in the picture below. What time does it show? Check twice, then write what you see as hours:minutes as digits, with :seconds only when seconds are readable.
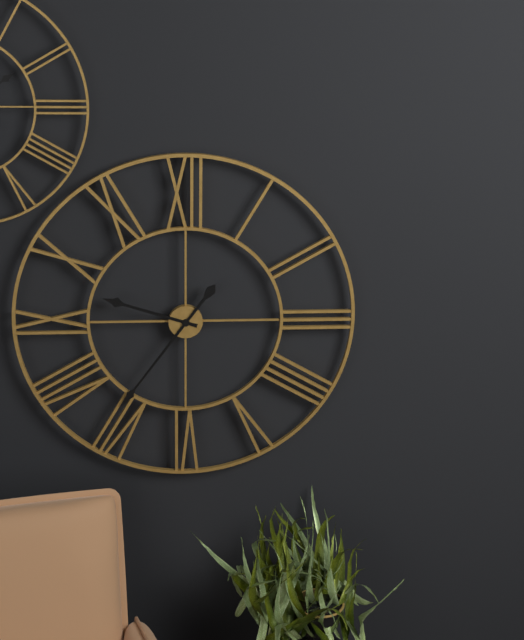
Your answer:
9:36
